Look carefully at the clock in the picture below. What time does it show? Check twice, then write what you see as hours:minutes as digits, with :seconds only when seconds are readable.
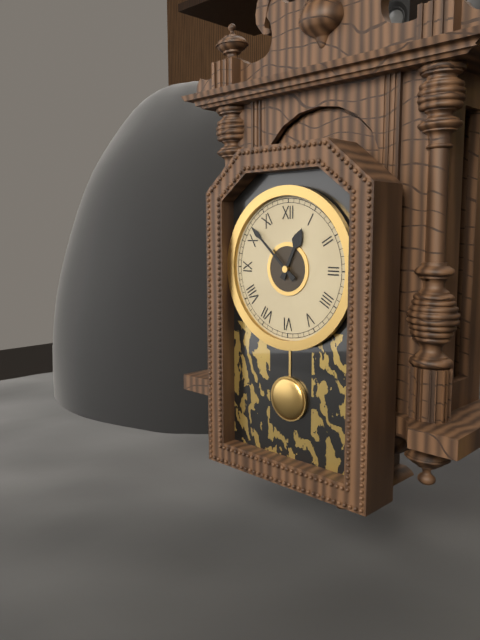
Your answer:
12:52
